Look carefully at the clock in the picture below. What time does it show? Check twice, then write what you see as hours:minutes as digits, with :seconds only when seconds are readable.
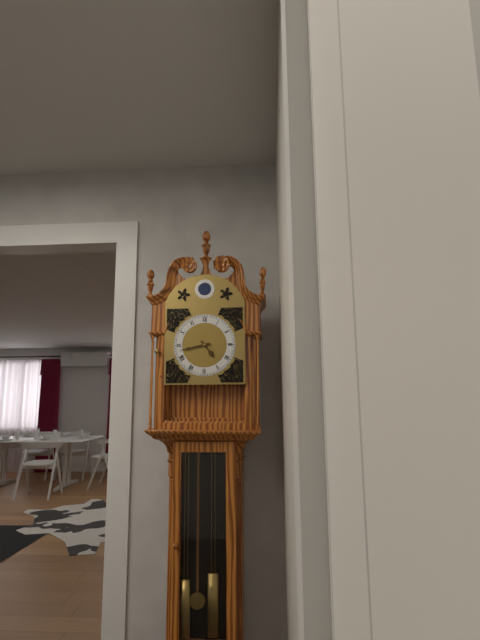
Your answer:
4:43
